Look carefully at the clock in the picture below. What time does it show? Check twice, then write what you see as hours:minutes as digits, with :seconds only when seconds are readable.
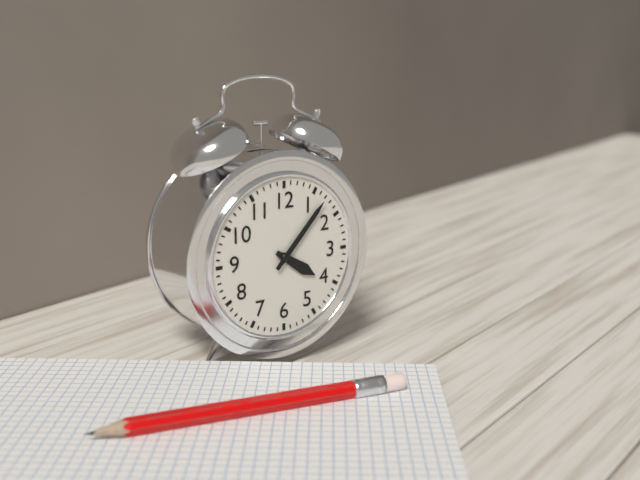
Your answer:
4:07
